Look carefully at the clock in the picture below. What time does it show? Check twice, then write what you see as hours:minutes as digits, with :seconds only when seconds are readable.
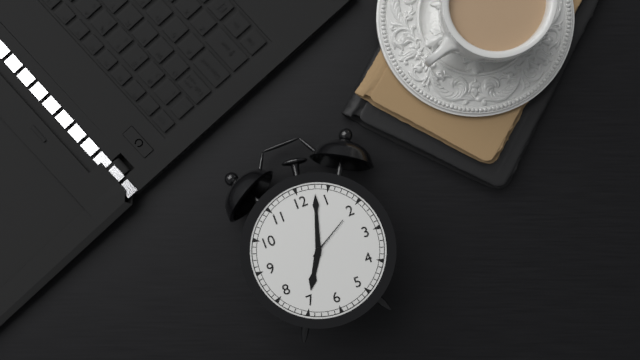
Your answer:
7:03
